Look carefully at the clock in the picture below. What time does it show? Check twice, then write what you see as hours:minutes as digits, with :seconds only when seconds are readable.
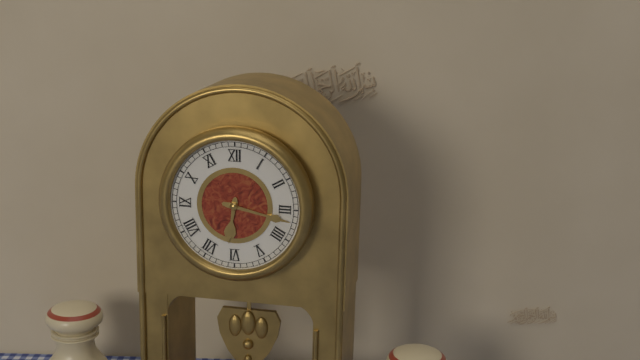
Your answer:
6:17
